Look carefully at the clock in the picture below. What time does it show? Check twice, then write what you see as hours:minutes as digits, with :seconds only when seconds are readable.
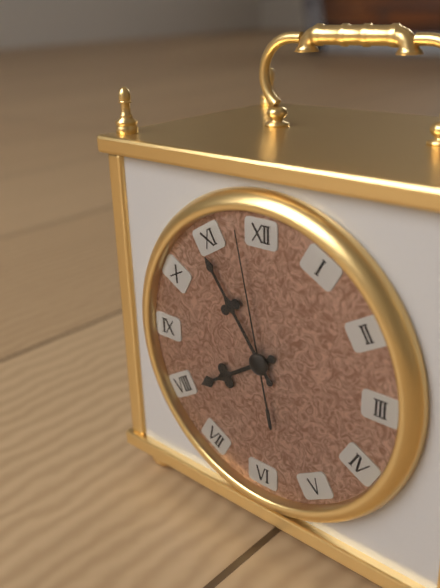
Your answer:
7:54:58
